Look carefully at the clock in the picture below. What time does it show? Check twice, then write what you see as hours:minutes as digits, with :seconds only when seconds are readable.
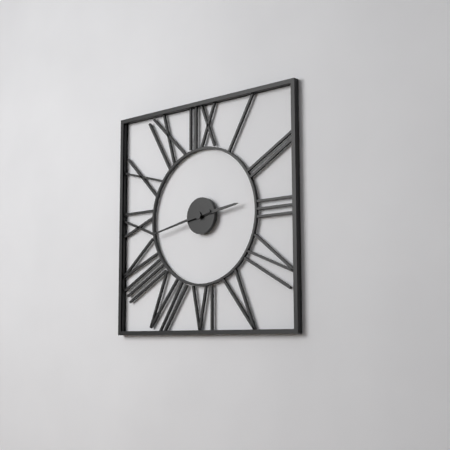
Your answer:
2:43
